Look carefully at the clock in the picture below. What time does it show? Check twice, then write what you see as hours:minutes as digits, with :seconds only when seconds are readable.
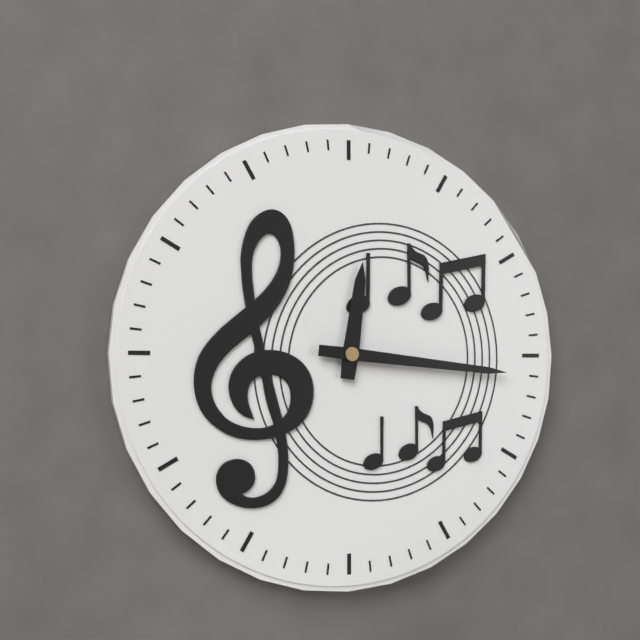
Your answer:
12:16
